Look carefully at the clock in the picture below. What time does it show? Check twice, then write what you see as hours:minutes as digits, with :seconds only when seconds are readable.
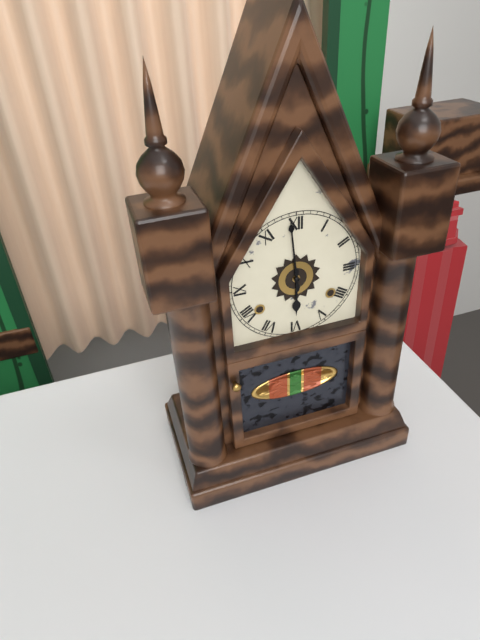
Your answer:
5:59
